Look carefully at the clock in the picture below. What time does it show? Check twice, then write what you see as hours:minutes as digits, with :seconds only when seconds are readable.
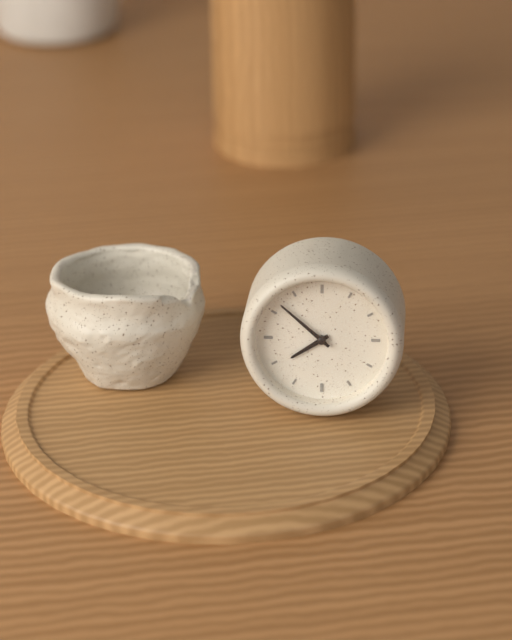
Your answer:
7:52
